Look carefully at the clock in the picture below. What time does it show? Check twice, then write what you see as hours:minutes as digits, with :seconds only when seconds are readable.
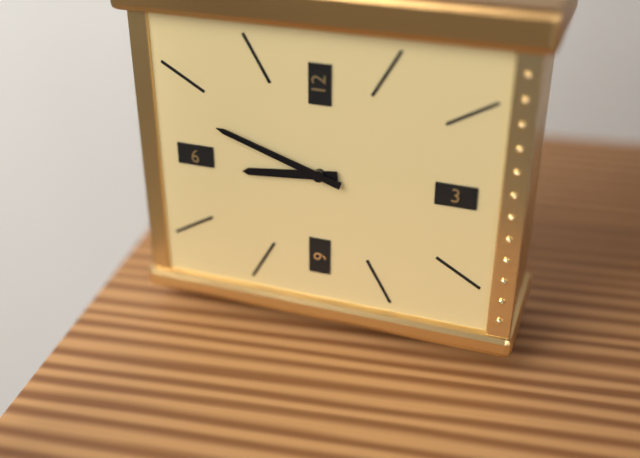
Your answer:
8:48
